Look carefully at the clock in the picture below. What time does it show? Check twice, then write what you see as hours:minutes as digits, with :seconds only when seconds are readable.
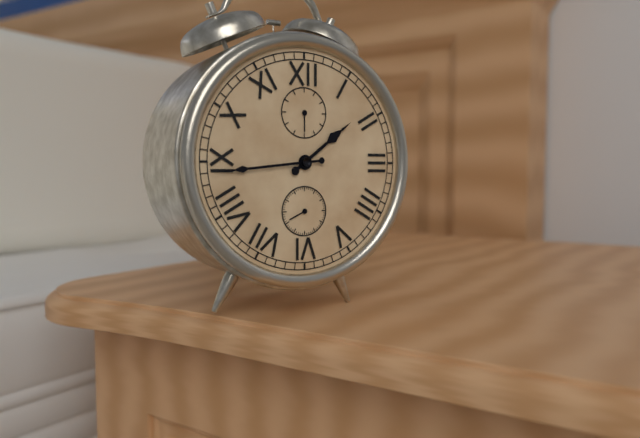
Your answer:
1:44
